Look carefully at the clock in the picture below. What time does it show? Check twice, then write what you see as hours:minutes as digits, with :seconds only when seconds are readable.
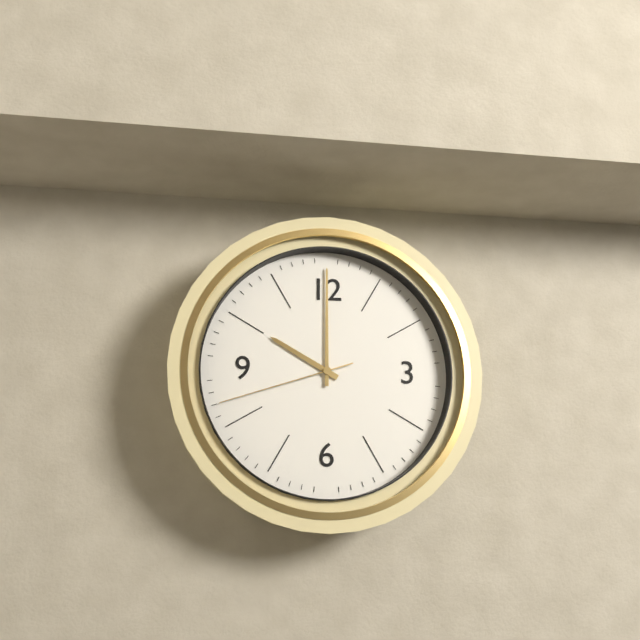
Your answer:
10:00:42
